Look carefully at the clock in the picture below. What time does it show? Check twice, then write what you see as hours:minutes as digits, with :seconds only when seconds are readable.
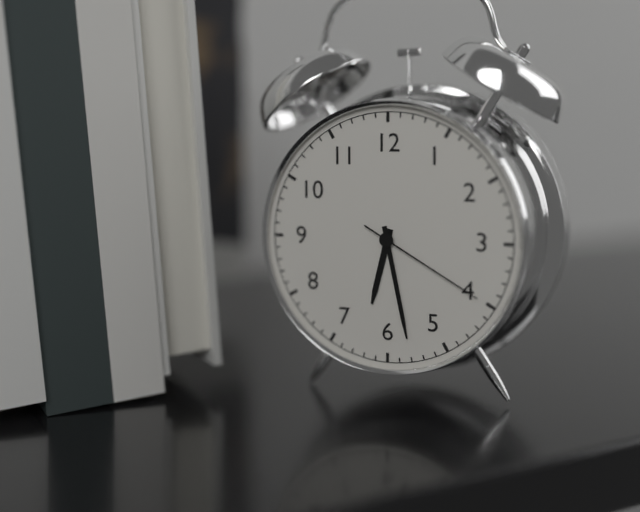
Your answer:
6:28:20
